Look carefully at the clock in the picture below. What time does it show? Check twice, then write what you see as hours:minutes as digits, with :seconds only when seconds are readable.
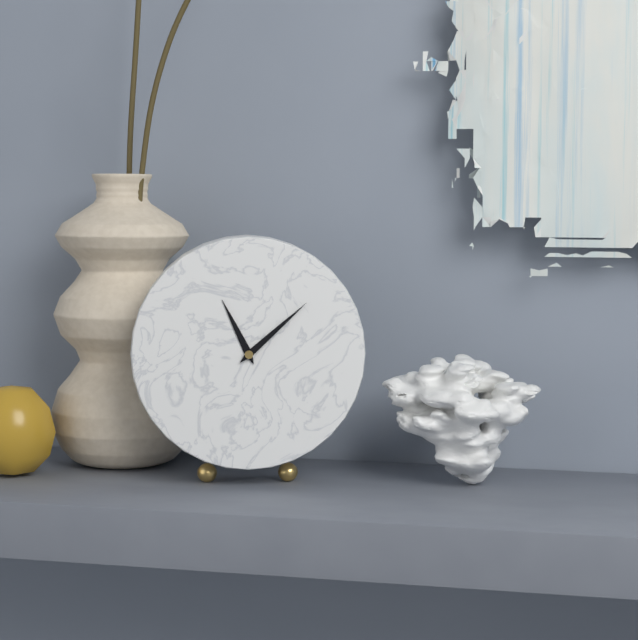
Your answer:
11:08
